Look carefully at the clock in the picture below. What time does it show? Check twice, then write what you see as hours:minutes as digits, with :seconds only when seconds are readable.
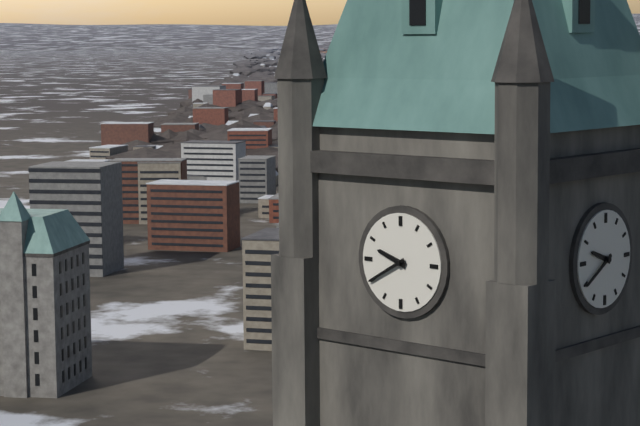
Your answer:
9:40
